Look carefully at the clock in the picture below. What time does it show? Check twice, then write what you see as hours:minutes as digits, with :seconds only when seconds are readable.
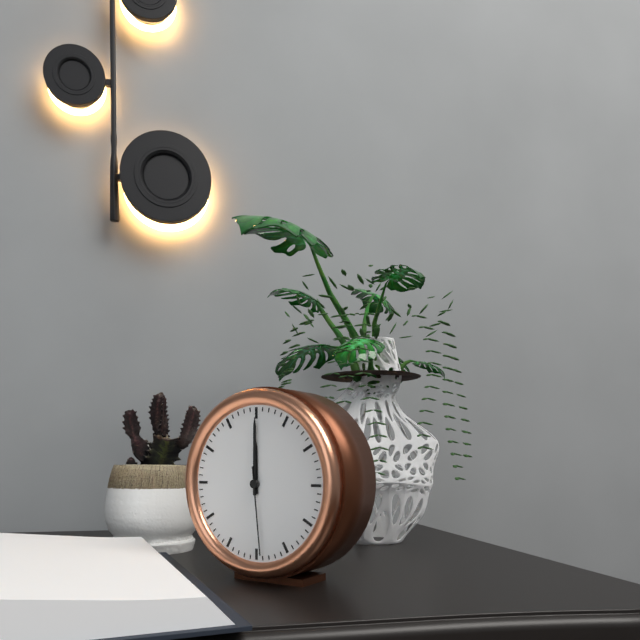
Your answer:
12:00:29
